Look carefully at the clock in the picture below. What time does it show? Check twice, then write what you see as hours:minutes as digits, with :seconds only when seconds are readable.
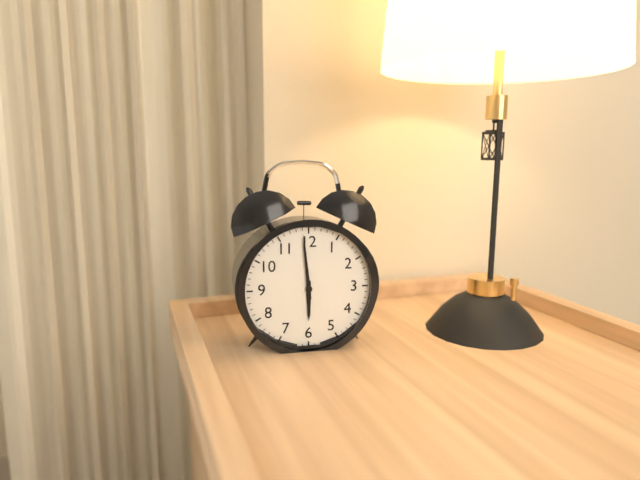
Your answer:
5:59
